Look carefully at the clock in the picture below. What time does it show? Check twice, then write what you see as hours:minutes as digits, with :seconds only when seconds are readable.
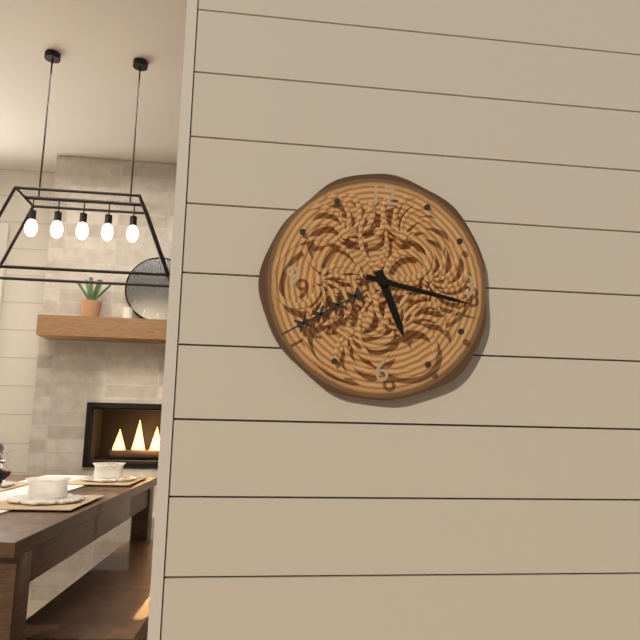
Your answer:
5:17
